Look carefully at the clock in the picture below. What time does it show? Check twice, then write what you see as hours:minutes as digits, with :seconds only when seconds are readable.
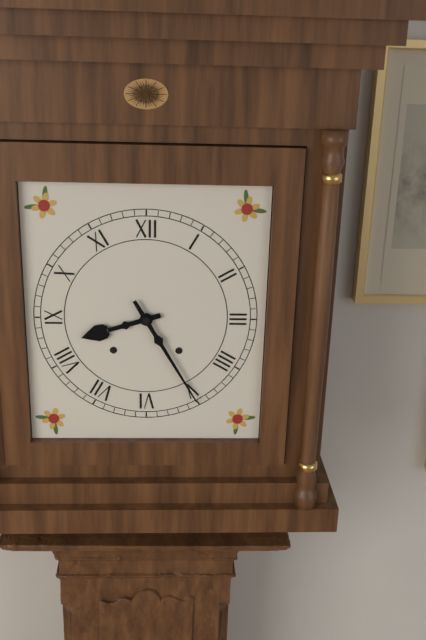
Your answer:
8:25
